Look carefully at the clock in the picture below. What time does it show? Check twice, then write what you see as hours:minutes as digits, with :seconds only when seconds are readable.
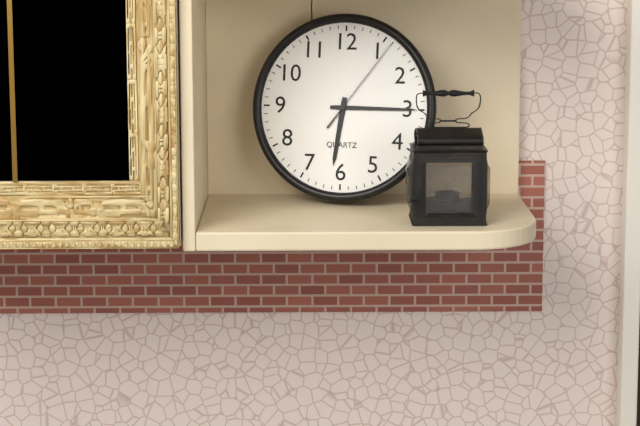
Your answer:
6:15:06
